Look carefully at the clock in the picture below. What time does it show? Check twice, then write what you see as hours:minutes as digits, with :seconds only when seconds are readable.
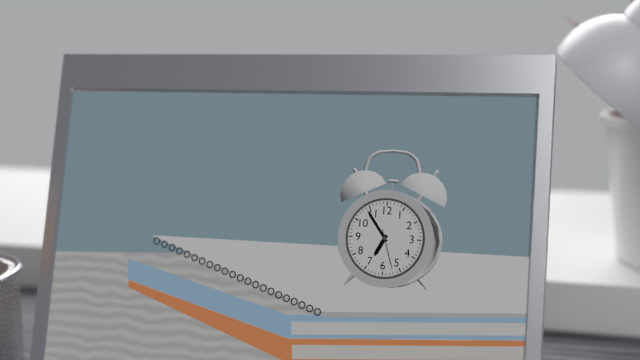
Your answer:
6:54
